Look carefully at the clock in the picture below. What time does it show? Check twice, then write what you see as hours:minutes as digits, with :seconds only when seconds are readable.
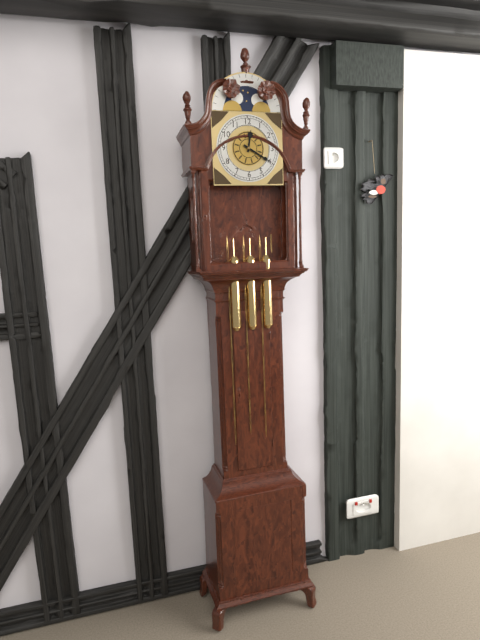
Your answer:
12:20
